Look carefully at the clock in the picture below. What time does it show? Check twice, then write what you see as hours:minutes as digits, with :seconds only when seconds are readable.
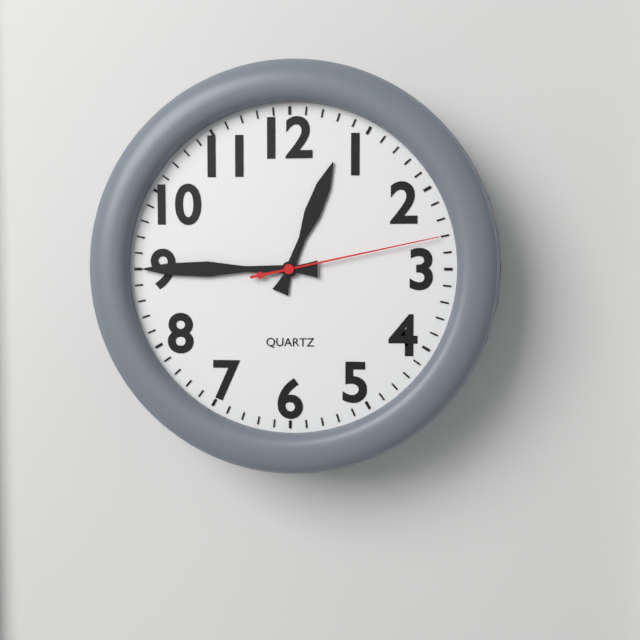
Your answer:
12:45:13
